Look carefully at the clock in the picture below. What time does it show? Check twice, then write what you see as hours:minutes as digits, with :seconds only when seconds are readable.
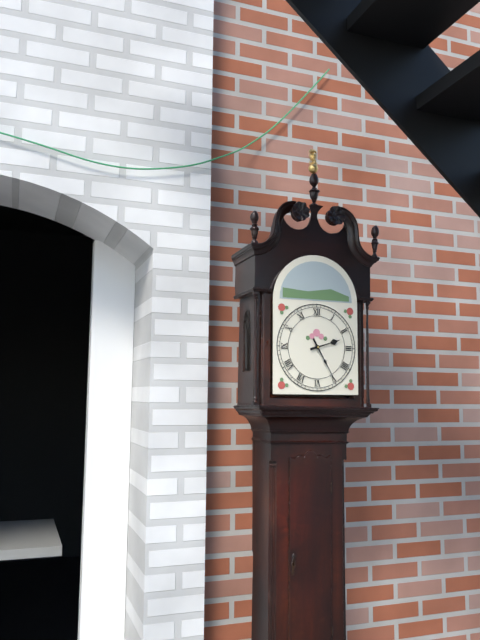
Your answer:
2:25
